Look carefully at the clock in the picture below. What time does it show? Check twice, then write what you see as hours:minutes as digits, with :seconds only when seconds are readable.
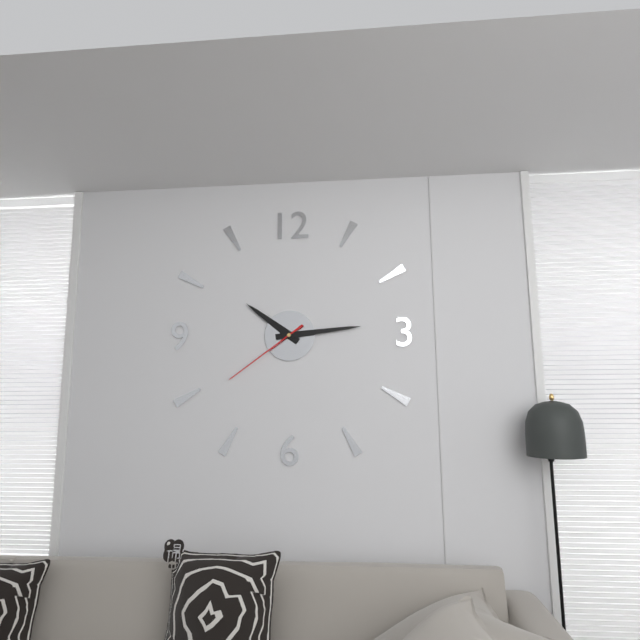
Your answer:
10:14:39
